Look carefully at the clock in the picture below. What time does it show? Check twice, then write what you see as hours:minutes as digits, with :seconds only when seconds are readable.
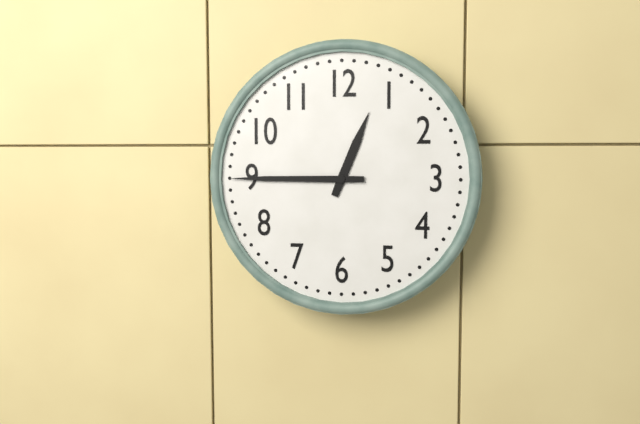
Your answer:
12:45
